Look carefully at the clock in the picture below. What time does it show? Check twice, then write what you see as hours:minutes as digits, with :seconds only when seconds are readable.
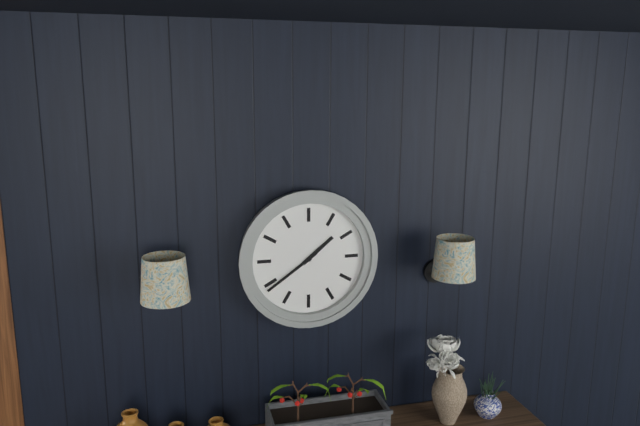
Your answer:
1:39
